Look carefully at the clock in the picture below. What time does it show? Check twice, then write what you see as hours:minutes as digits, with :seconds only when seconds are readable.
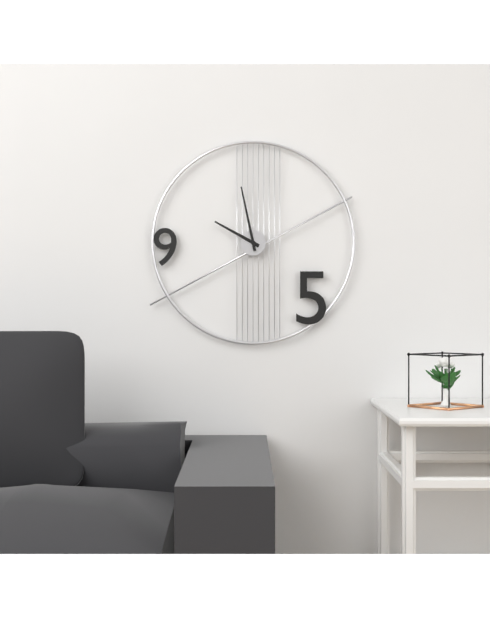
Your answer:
9:58
